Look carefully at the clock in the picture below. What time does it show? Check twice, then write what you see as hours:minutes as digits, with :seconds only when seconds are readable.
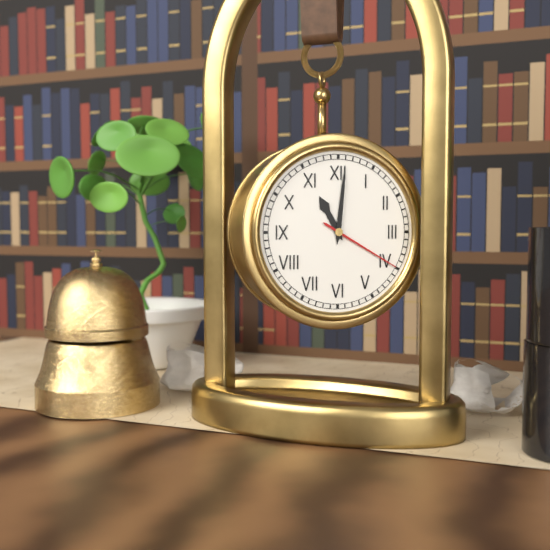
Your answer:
11:01:20
